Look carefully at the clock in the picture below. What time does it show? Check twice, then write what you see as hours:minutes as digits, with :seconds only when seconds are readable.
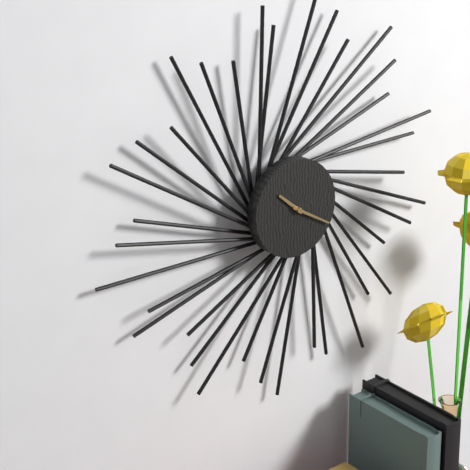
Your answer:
10:20
